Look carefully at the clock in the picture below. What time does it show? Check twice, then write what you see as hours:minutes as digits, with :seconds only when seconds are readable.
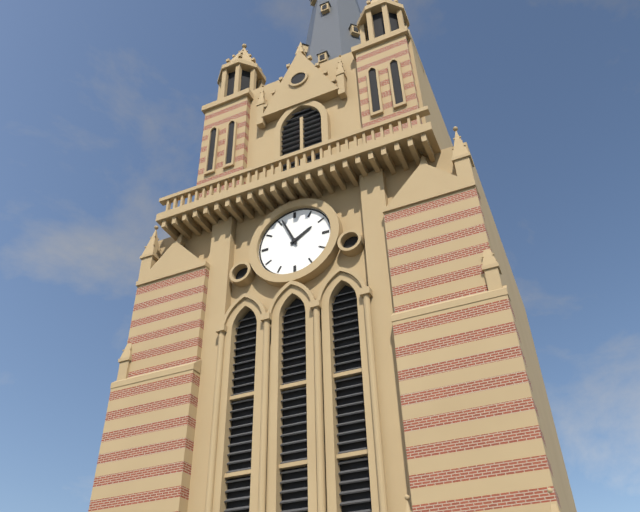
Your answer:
1:56
